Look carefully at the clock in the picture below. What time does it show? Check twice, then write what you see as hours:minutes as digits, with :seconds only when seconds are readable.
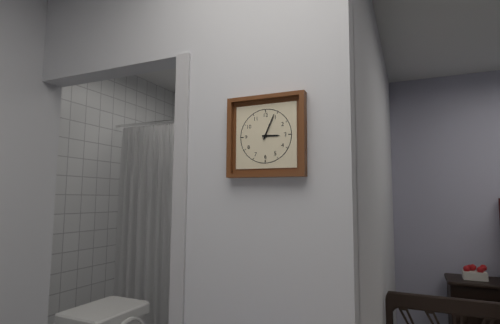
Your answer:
3:04
